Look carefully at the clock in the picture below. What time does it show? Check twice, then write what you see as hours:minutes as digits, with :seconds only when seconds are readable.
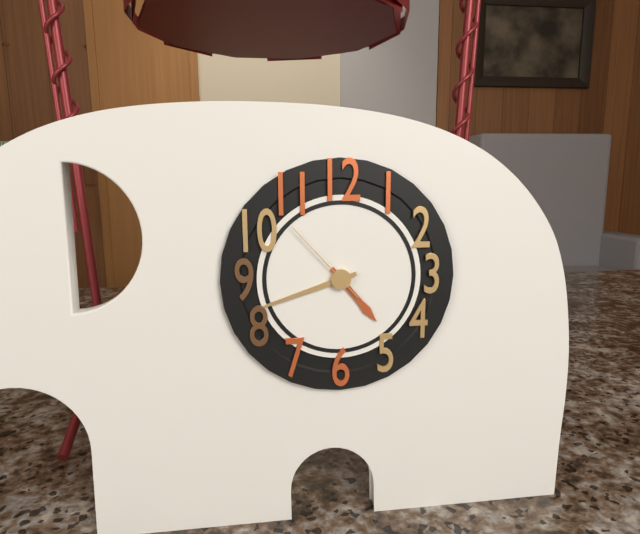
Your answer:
4:42:53
